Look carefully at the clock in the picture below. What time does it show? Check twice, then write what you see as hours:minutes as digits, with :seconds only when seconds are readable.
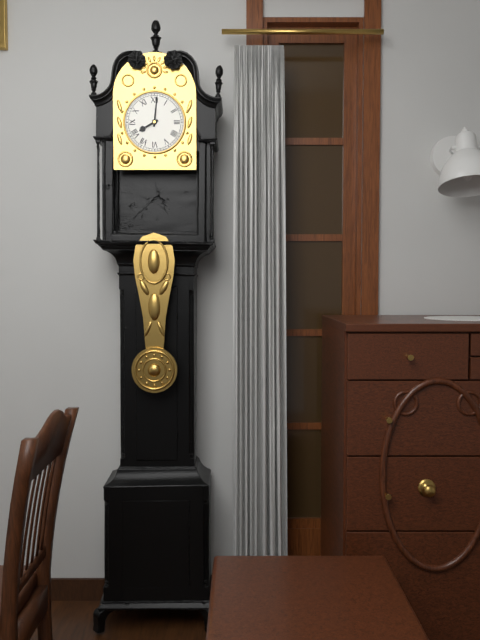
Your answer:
8:01
